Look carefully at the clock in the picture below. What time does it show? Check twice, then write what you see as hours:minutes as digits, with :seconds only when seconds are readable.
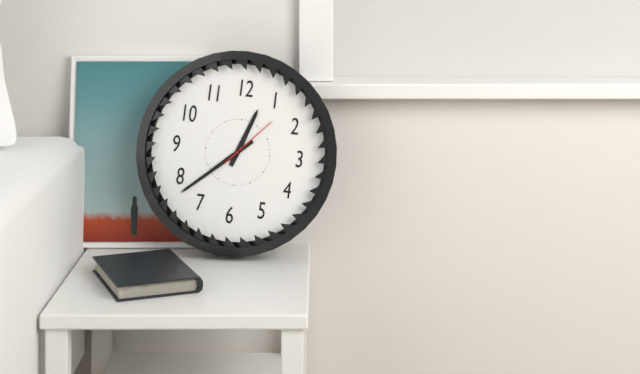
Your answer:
12:38:07
